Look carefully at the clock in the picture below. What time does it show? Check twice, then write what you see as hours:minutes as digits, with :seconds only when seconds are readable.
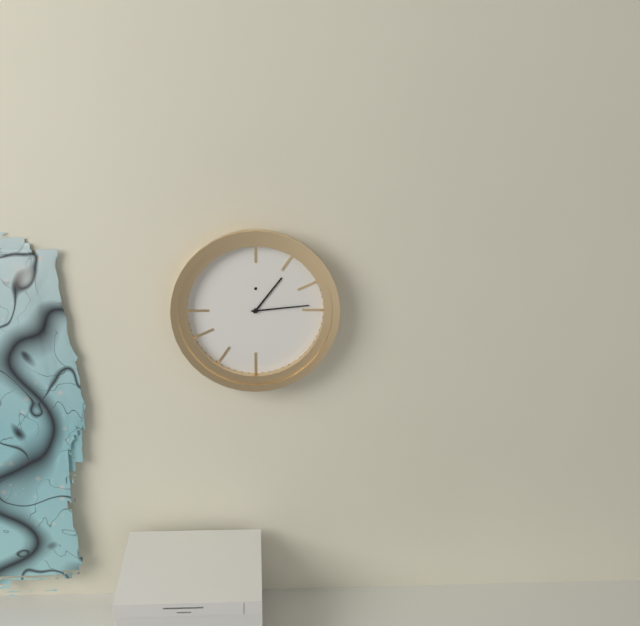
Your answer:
1:14
